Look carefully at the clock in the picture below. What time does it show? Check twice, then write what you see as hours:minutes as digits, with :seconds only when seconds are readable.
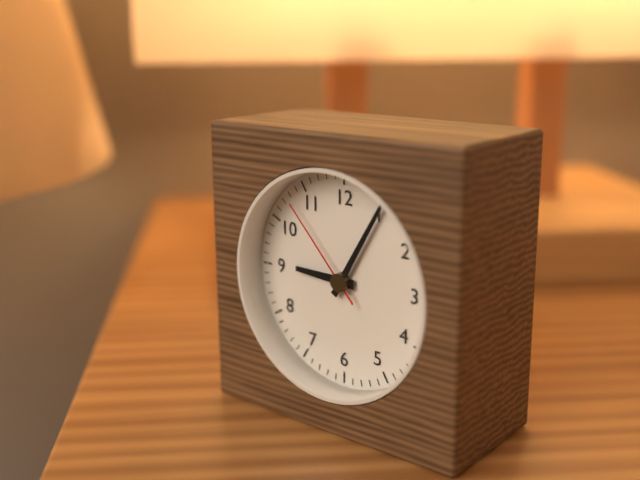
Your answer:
9:05:53
